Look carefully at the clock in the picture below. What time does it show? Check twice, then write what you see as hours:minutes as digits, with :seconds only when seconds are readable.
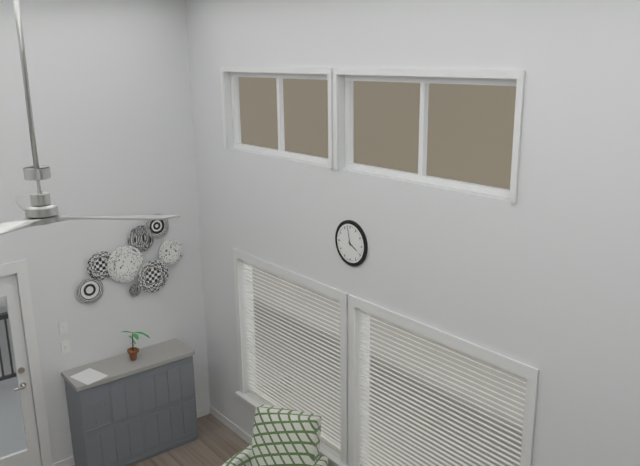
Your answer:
3:58
